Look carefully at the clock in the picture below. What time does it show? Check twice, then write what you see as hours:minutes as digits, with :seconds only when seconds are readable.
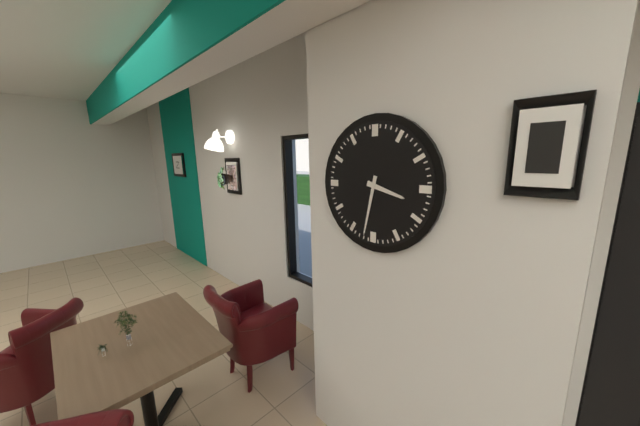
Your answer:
3:32
